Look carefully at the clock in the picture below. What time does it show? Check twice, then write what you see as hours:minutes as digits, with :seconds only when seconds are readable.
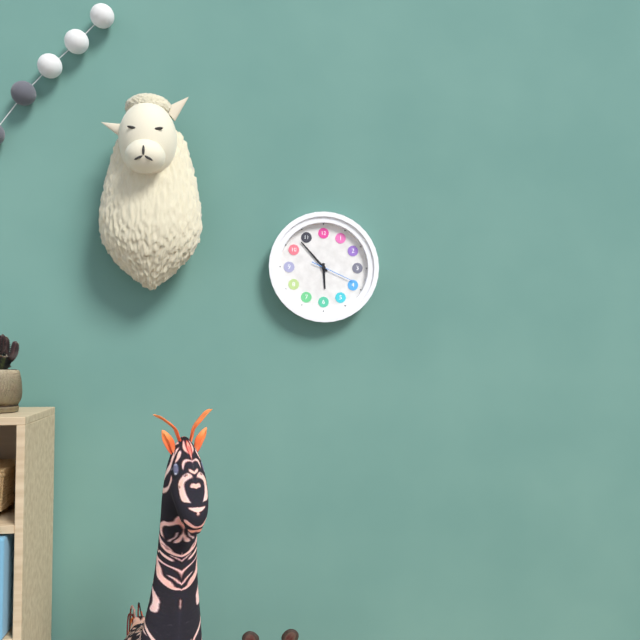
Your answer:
5:53
